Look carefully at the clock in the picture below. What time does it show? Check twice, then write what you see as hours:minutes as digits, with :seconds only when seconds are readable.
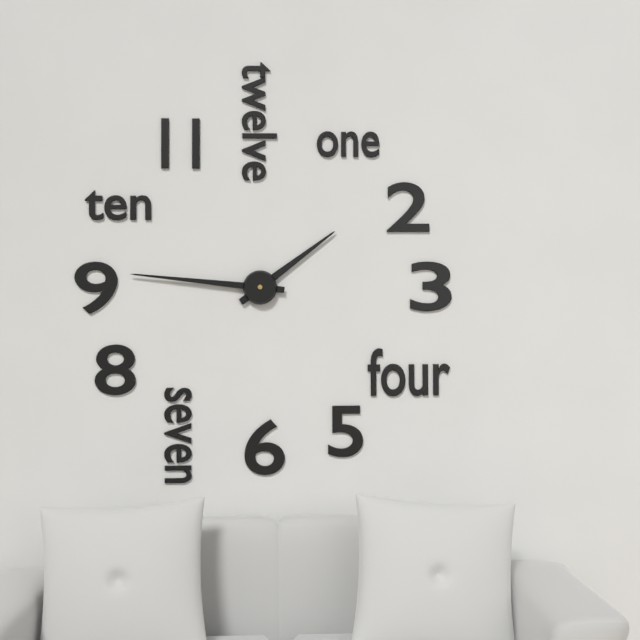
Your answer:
1:46
